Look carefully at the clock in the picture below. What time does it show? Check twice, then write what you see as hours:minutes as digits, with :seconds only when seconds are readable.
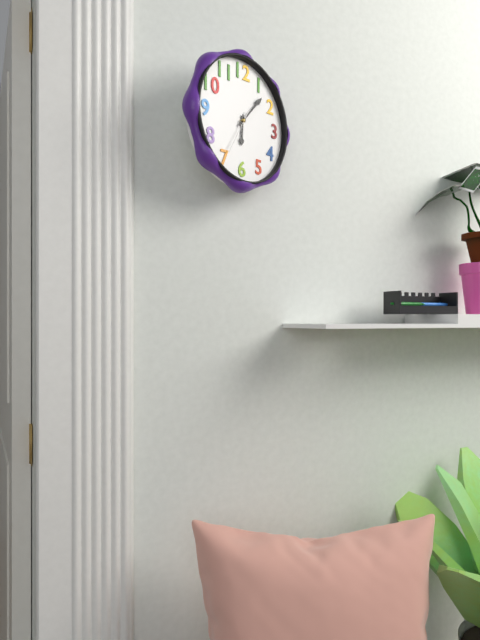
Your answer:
6:07
